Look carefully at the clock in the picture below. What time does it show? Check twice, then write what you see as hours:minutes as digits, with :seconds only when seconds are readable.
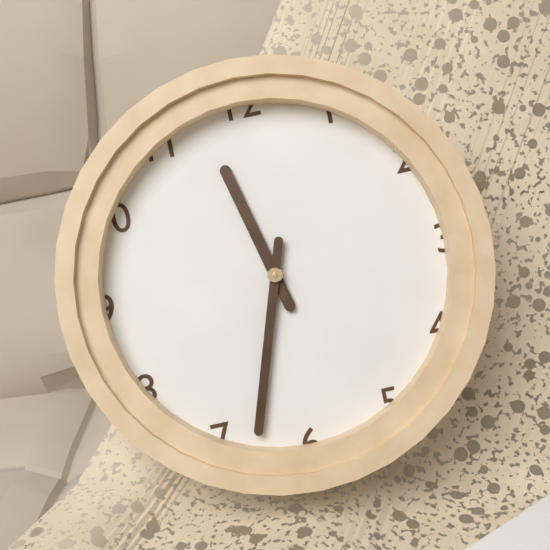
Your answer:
11:33
